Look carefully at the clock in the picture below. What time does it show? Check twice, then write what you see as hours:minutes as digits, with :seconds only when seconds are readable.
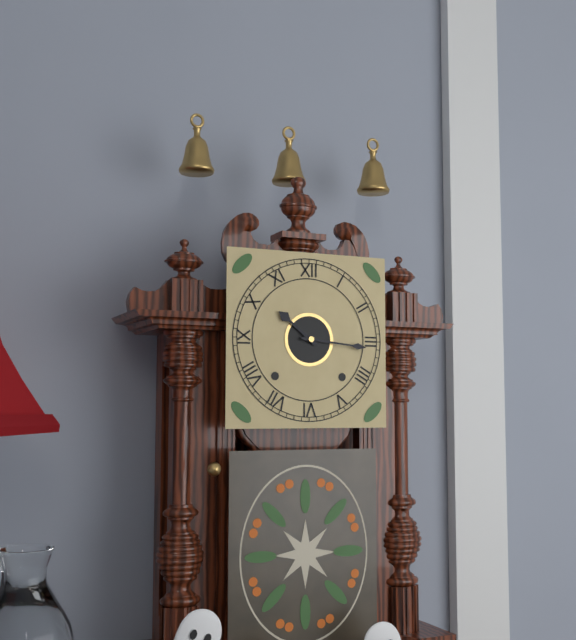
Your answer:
10:16
